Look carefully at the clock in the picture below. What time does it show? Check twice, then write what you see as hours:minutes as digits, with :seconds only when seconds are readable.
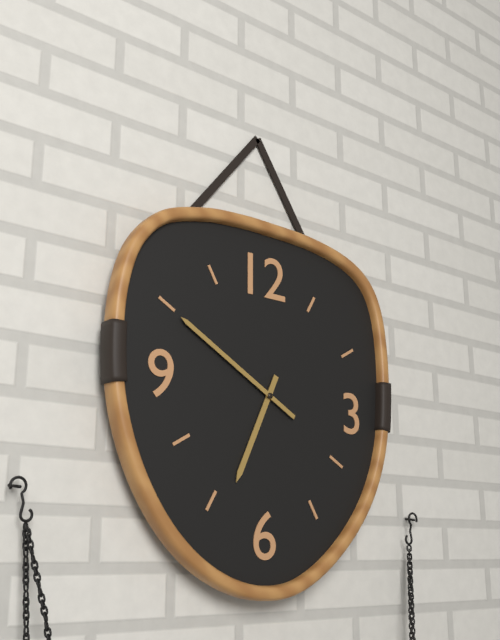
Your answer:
6:50
